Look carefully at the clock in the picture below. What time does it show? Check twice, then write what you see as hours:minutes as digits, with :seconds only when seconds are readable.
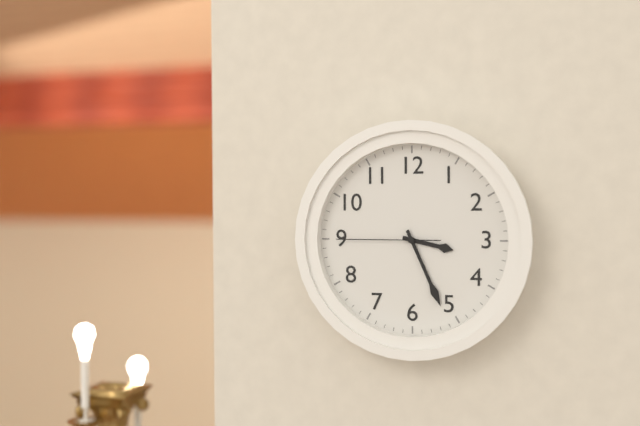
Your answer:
3:26:45
